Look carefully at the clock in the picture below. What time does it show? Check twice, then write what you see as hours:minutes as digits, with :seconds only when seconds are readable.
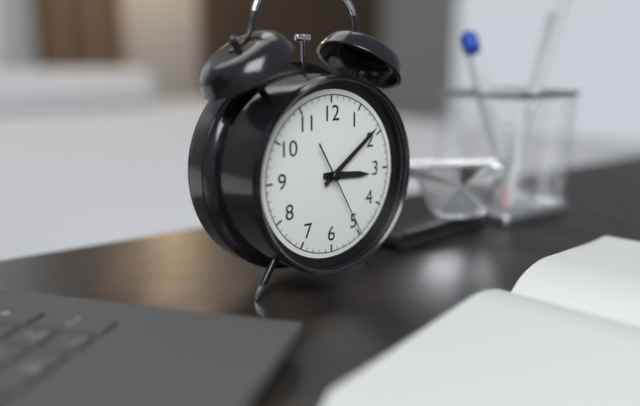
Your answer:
3:09:25
